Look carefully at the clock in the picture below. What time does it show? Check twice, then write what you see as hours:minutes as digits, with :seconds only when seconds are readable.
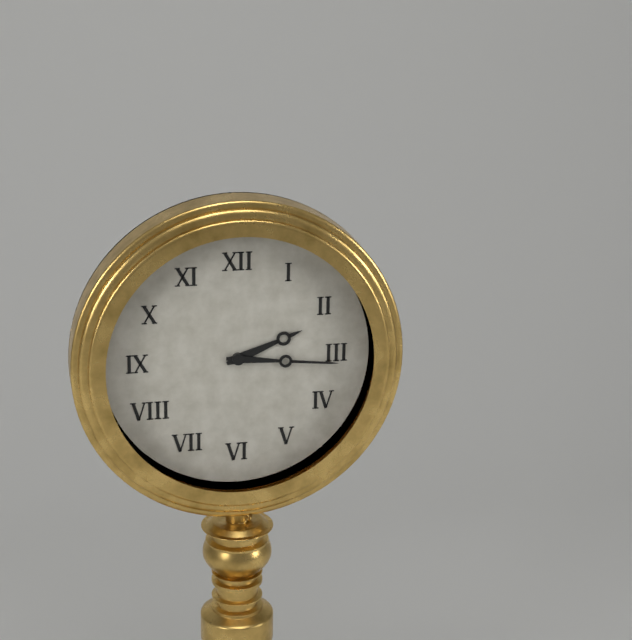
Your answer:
2:16
